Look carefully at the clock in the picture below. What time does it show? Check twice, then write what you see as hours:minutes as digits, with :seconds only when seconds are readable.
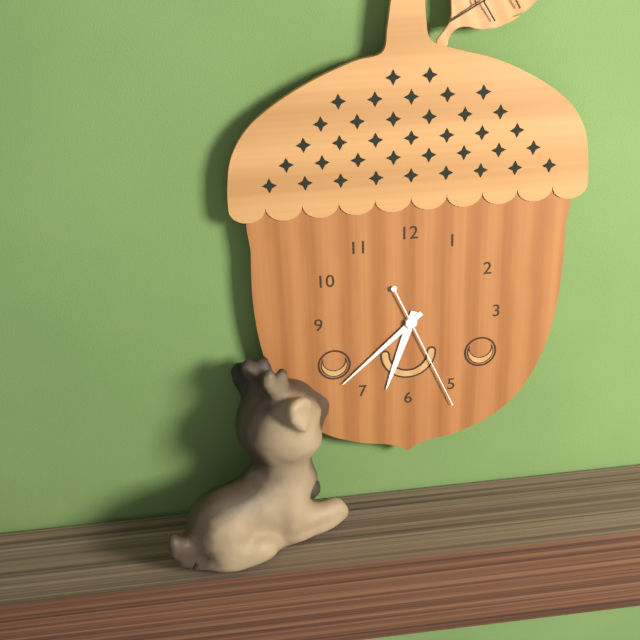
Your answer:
6:38:26
